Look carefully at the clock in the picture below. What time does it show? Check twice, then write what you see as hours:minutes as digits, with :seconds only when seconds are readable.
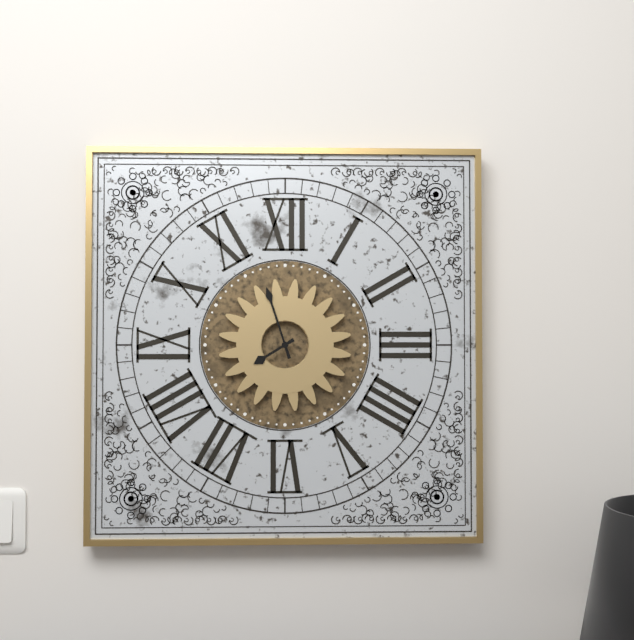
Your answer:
7:57
